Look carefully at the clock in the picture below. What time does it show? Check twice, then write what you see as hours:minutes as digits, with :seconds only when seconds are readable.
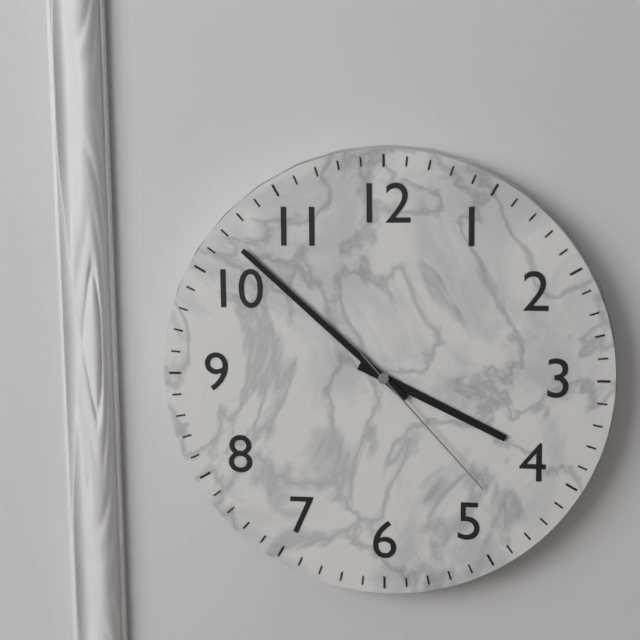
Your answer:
3:52:23
